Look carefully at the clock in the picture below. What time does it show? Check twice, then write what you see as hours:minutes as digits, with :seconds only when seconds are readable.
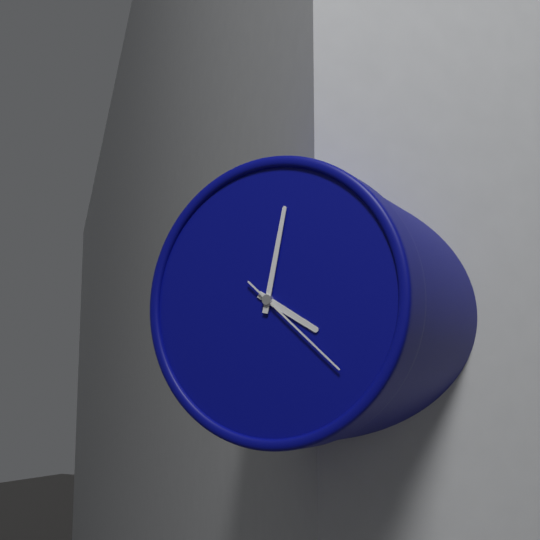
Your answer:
4:02:22
